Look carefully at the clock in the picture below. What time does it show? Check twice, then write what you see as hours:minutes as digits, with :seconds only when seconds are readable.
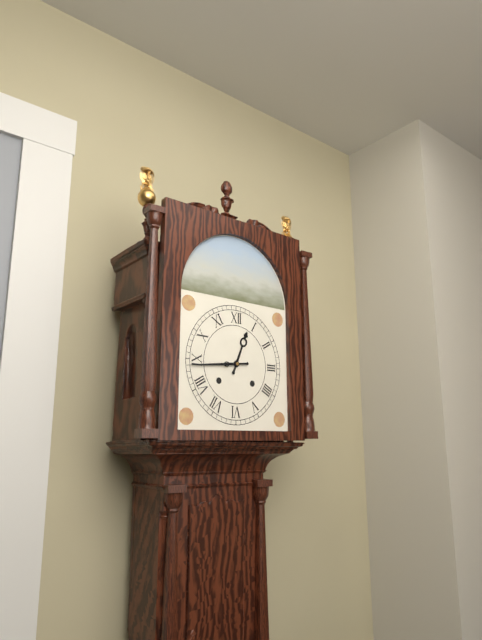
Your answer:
12:44
